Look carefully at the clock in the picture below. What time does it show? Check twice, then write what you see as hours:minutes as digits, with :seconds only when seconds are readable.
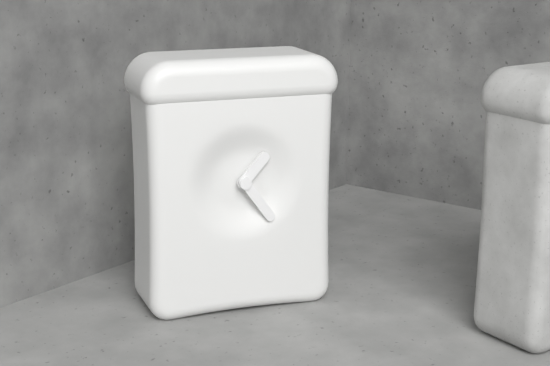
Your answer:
1:24
